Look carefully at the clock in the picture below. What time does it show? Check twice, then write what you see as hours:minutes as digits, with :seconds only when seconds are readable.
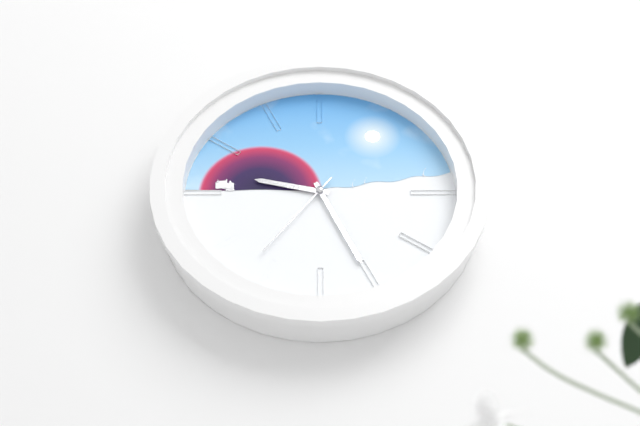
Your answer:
9:26:36
